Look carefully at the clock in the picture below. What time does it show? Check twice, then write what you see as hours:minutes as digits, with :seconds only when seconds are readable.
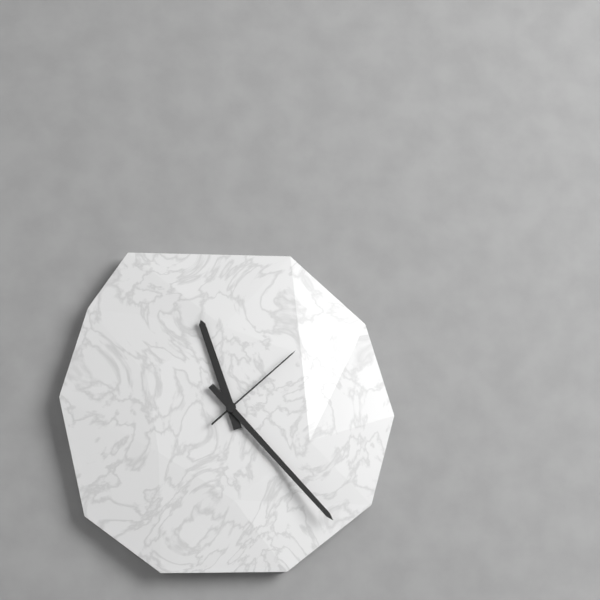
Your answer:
11:23:08
